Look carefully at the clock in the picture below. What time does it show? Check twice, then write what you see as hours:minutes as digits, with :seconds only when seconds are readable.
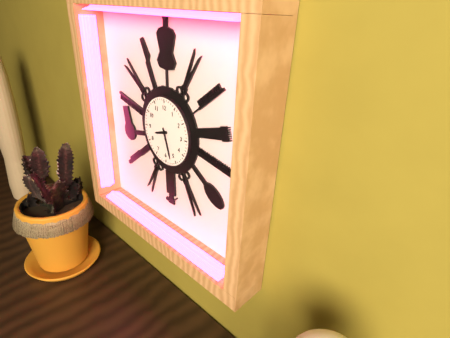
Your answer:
8:27
